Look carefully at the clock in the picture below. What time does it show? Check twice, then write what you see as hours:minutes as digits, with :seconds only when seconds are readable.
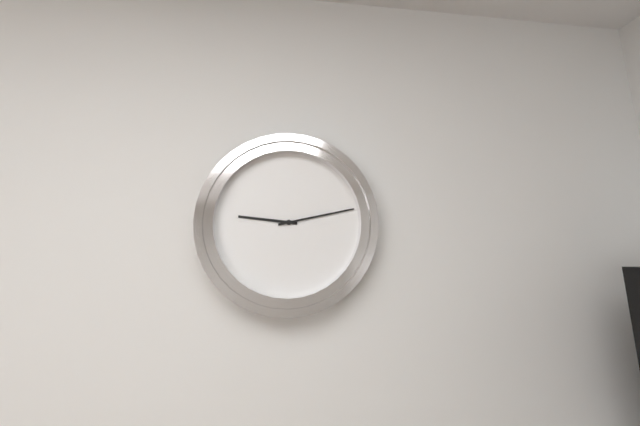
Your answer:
9:13
